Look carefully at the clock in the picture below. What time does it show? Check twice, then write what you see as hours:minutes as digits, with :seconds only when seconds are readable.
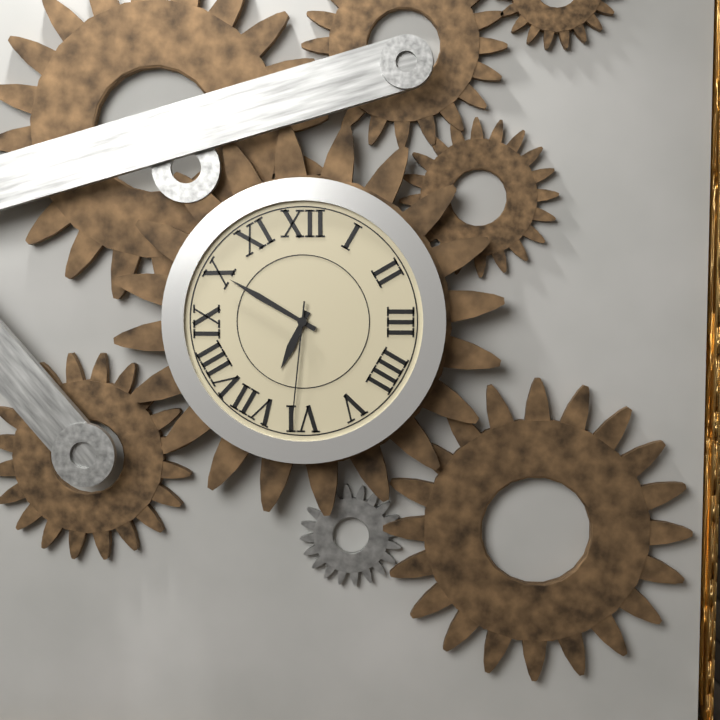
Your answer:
6:50:31
